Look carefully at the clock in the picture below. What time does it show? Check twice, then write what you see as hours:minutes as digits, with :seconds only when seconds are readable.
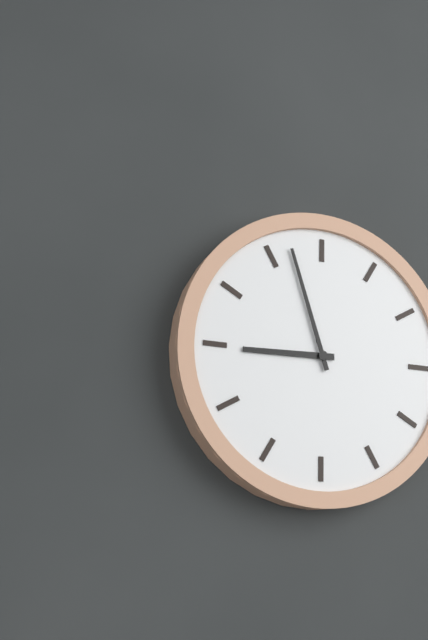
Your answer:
8:57
